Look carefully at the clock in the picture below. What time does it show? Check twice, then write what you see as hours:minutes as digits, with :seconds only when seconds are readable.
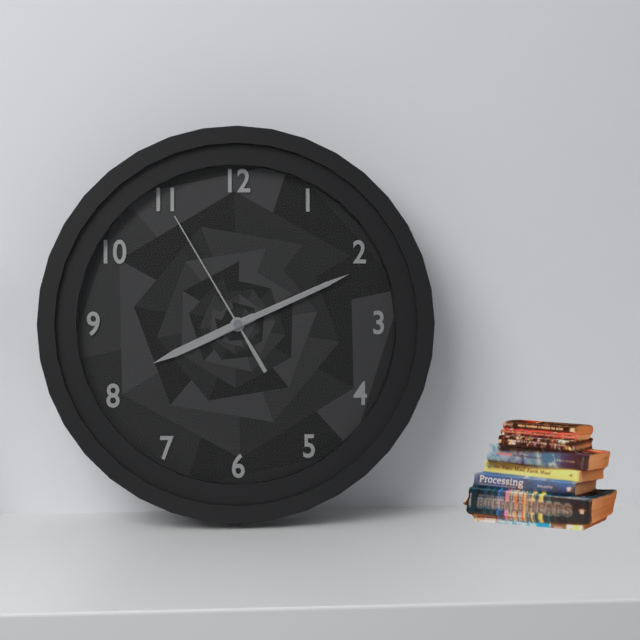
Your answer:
8:11:55
